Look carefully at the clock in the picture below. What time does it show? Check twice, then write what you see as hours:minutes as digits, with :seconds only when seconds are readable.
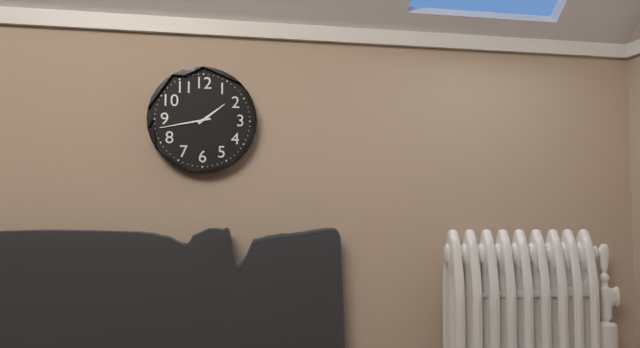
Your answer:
1:43
